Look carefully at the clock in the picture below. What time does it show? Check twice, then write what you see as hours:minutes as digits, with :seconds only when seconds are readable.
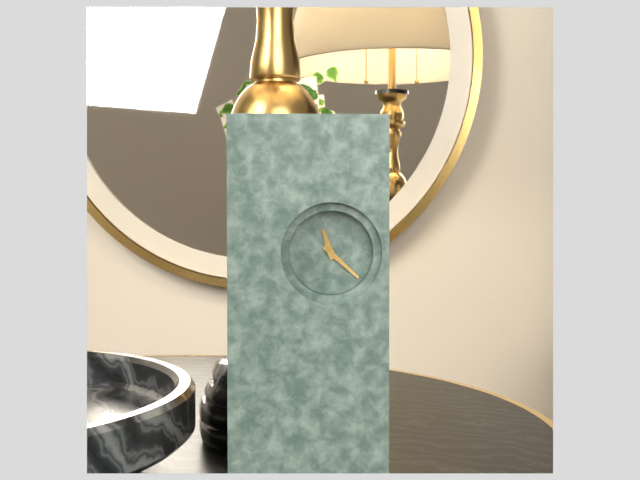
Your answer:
11:22
